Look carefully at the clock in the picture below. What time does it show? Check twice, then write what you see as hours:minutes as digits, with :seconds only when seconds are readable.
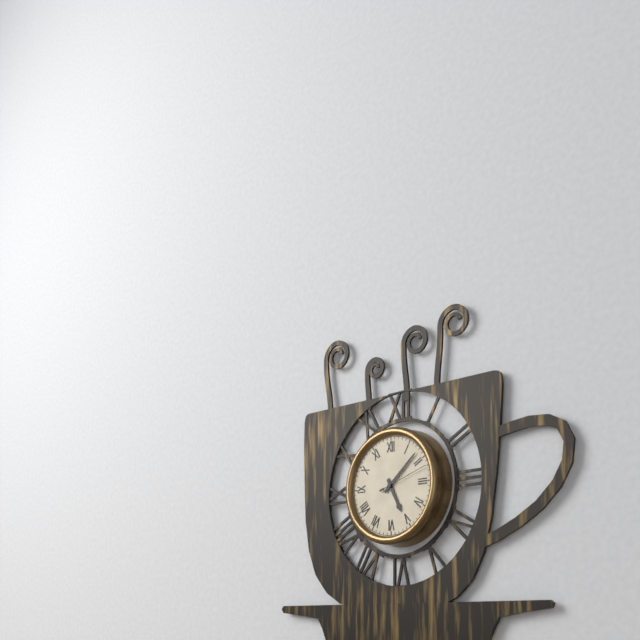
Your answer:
5:08:12
